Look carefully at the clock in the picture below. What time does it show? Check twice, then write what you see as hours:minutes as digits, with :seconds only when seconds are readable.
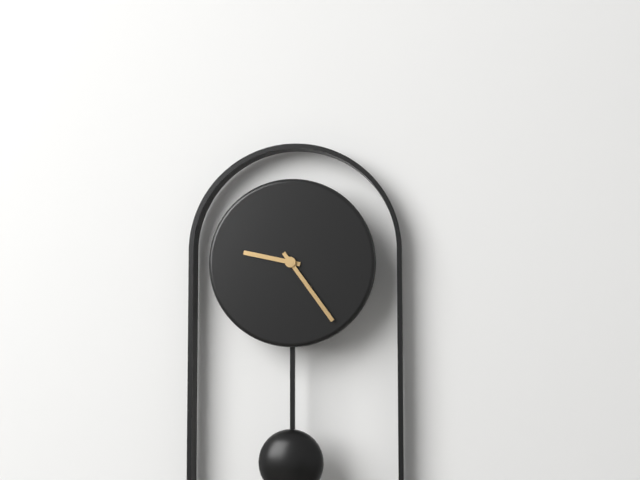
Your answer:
9:24
